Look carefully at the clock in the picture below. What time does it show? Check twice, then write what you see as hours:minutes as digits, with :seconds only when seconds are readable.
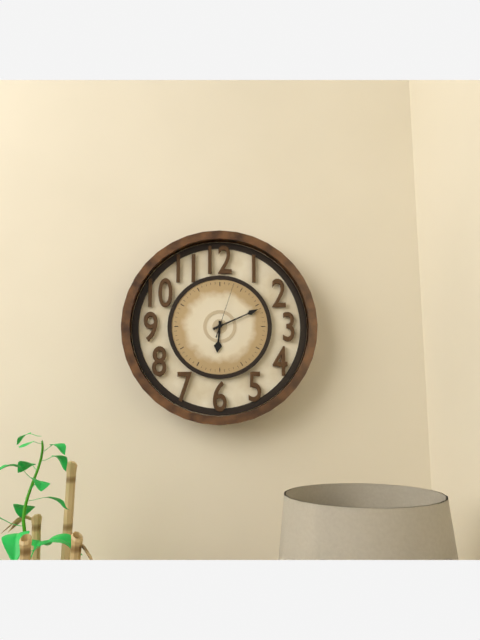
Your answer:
6:11:03
